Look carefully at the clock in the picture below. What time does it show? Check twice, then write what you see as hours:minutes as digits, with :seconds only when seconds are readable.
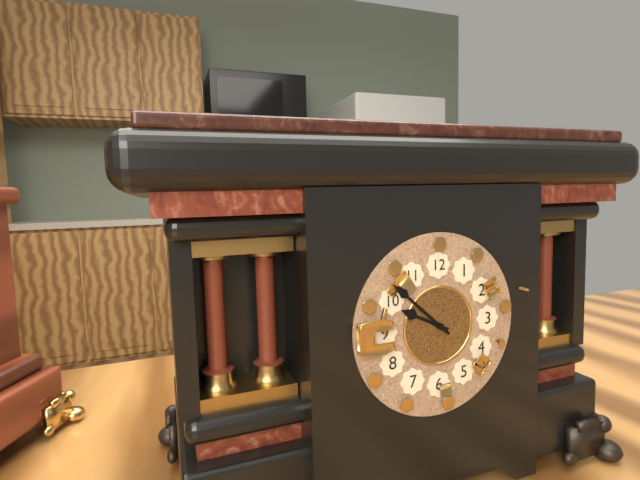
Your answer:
9:52
